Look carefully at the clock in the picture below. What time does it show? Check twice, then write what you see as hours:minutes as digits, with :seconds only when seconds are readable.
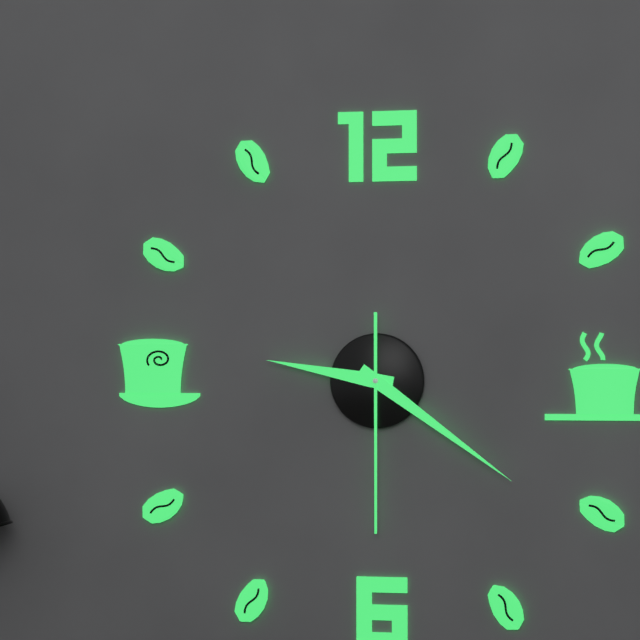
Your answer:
9:21:30
